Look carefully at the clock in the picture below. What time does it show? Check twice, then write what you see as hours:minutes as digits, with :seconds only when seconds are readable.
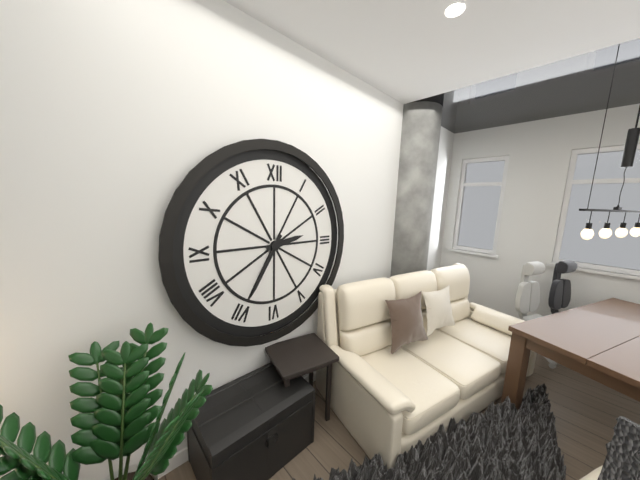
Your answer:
2:35
